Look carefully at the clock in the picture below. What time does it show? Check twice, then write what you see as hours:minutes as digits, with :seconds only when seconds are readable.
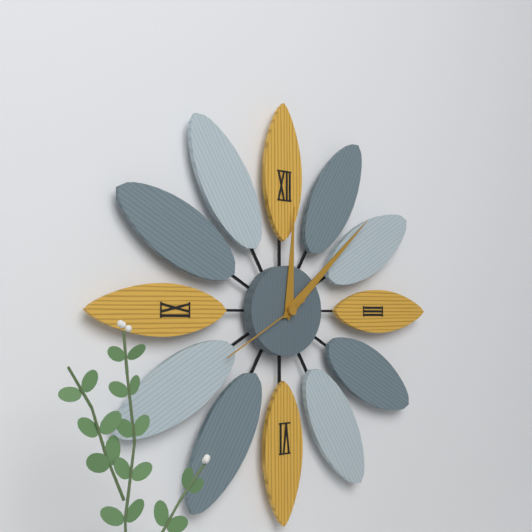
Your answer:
12:08:40
